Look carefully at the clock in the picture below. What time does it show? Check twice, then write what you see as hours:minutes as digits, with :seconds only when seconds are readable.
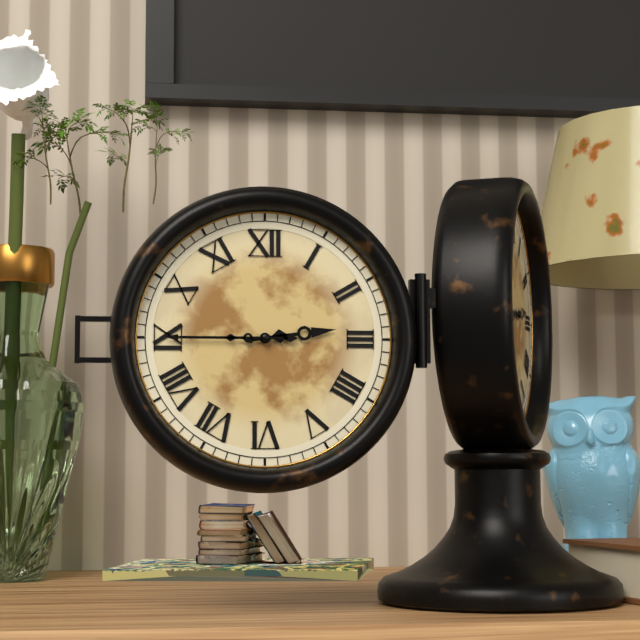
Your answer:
2:45
